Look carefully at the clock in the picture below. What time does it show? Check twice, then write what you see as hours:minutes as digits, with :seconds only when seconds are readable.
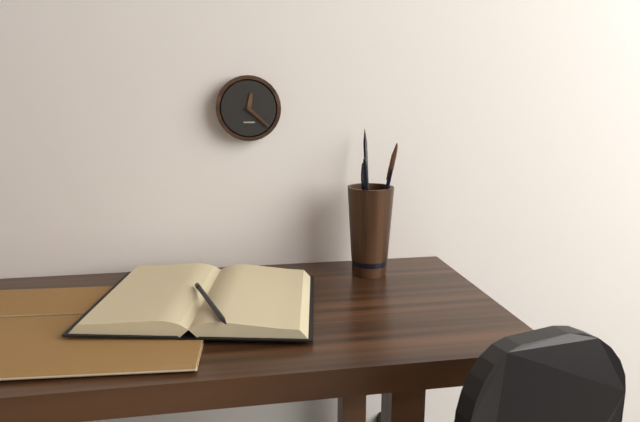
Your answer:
12:22
